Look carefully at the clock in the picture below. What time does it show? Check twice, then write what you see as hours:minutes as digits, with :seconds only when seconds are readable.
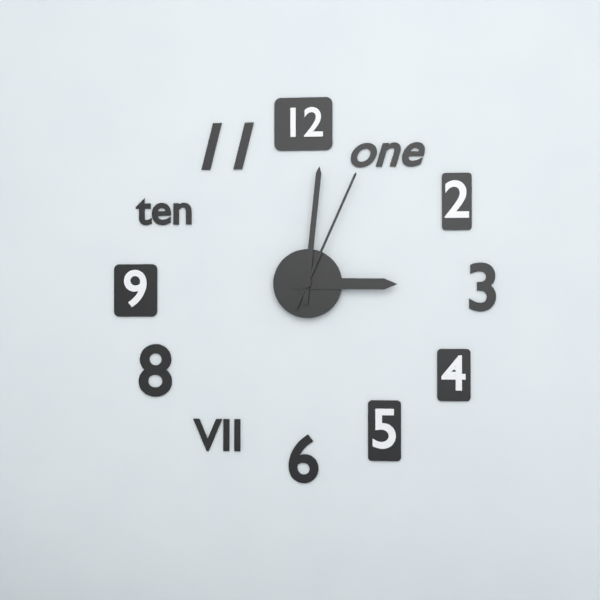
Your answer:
3:01:04
